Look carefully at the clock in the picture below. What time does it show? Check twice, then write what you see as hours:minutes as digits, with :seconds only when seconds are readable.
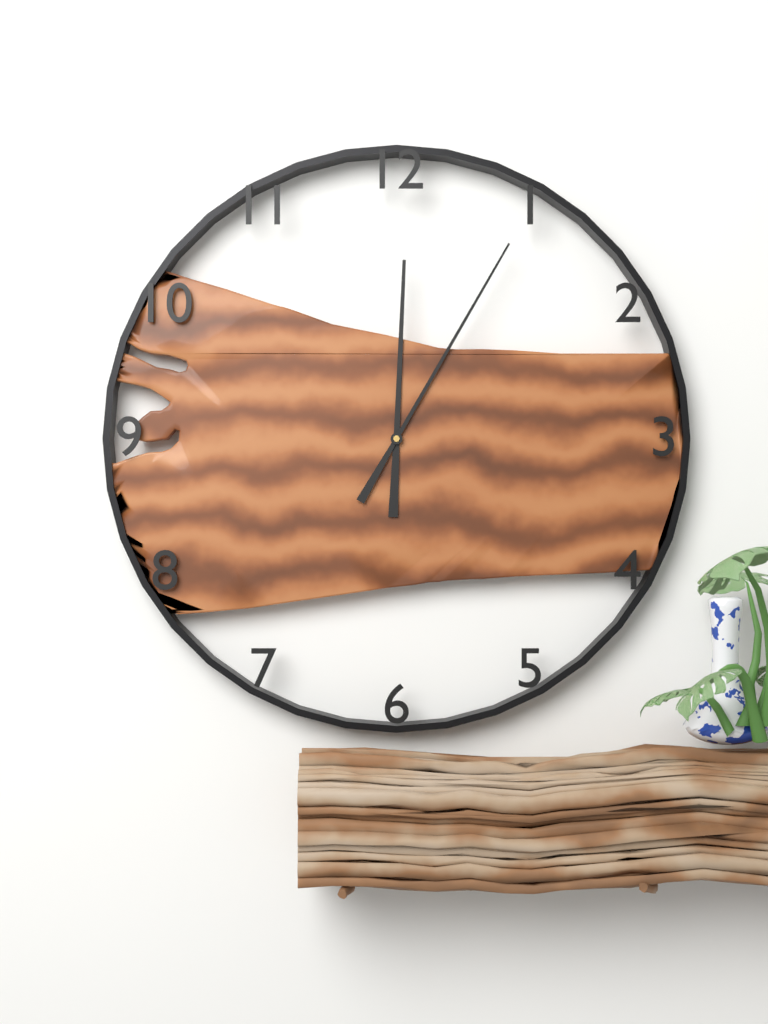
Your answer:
12:05
